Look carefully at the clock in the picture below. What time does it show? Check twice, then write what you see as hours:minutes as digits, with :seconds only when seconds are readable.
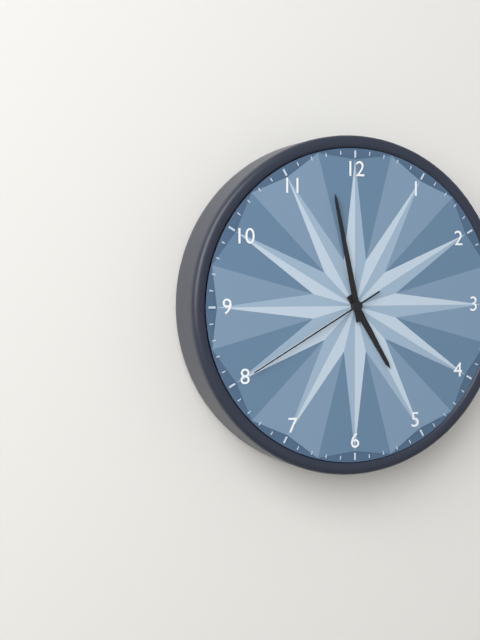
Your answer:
4:58:40
